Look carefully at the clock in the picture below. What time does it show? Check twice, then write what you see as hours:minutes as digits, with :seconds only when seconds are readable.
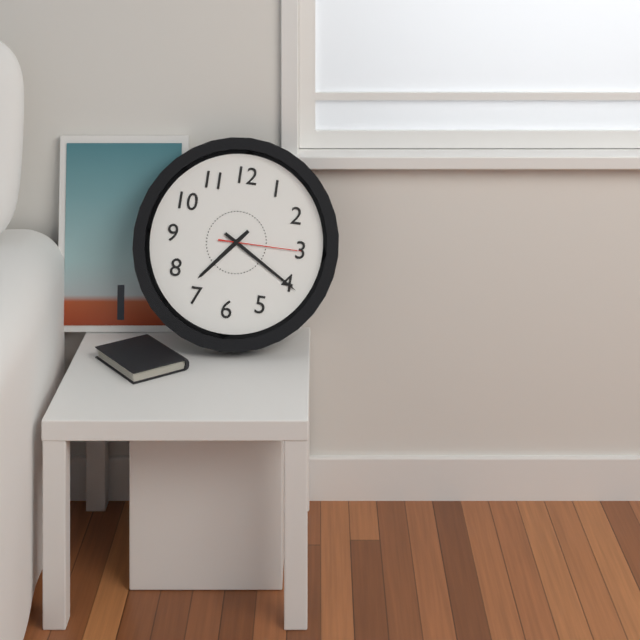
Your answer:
7:20:15
